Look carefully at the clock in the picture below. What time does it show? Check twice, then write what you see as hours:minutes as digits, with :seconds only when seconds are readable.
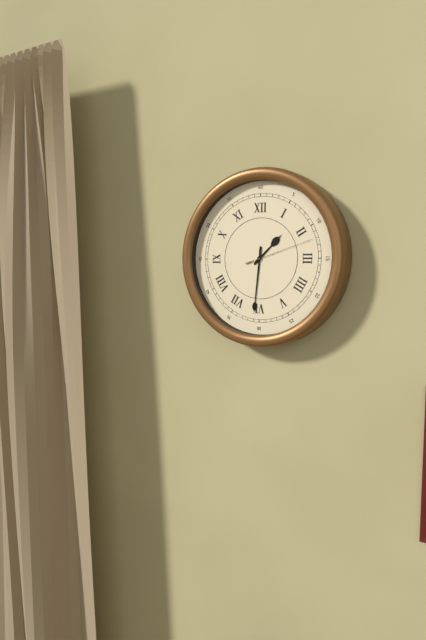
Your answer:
1:31:12
